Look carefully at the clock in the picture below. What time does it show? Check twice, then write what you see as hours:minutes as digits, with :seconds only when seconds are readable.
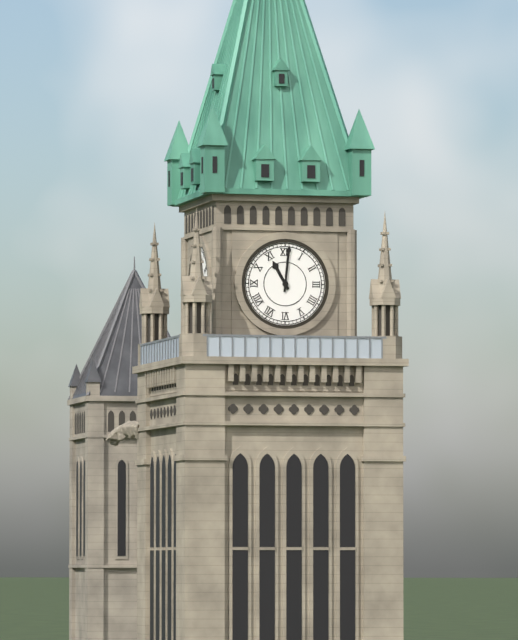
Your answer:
11:01
